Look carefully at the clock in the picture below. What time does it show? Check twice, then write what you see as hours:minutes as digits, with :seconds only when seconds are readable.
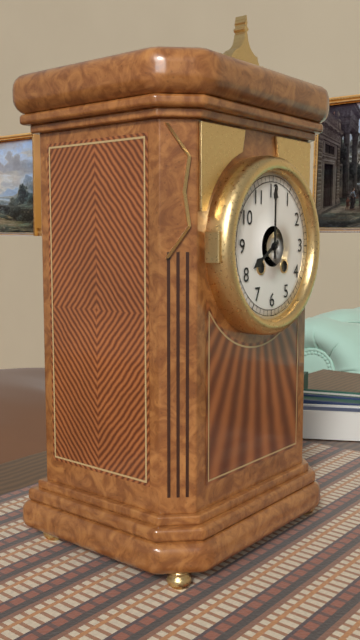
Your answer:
8:00
